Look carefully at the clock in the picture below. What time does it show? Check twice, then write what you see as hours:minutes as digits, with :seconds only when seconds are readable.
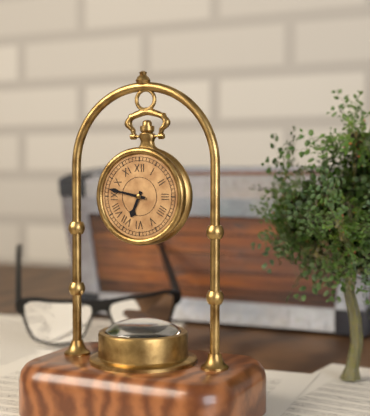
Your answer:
6:47
